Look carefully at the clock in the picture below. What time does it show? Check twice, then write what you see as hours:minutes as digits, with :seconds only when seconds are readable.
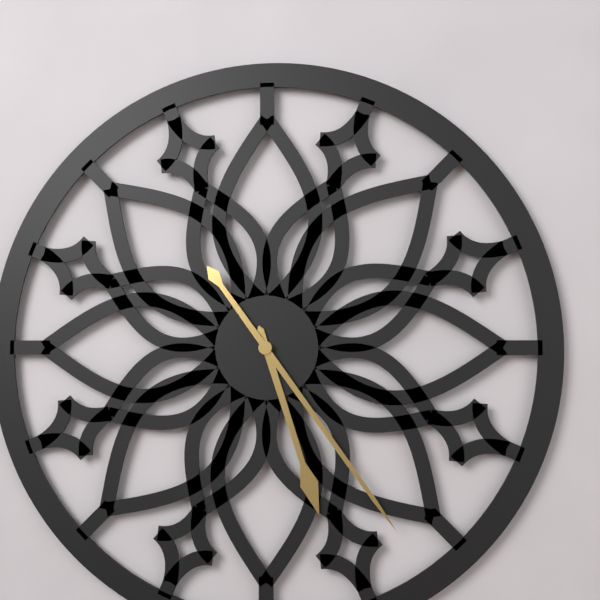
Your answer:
5:24
